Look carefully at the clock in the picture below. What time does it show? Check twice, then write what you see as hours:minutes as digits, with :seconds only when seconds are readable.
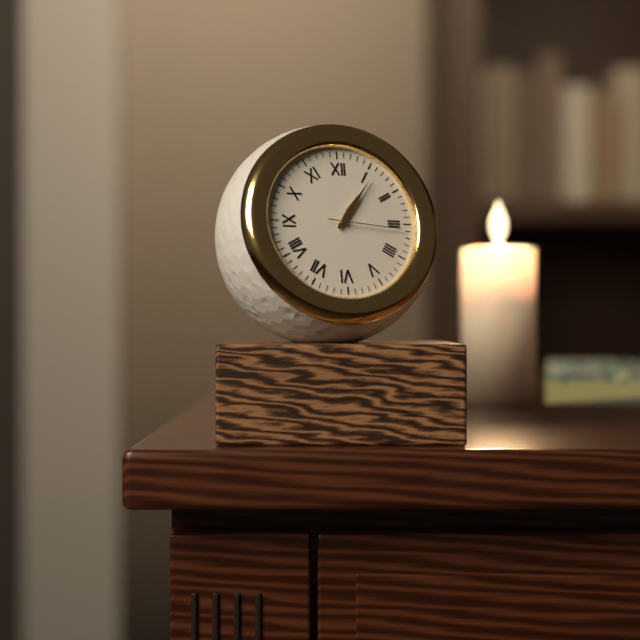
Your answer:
1:06:16
